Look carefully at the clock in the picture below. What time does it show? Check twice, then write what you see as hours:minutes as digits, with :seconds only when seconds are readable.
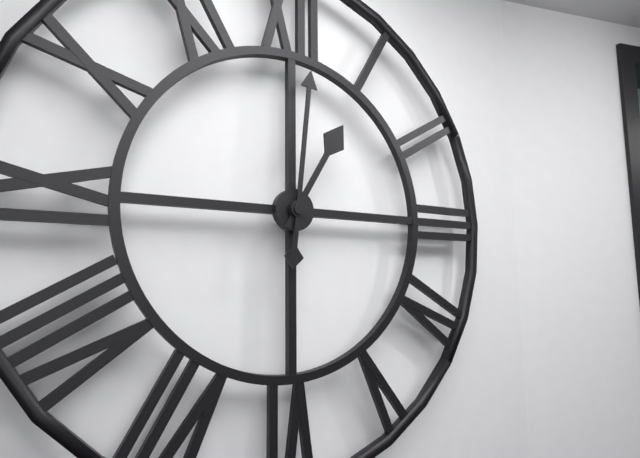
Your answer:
1:01
